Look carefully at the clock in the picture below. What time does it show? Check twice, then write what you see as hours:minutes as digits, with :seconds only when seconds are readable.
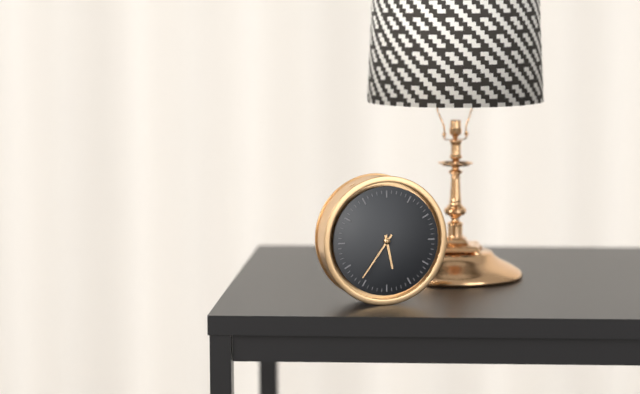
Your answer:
5:36
